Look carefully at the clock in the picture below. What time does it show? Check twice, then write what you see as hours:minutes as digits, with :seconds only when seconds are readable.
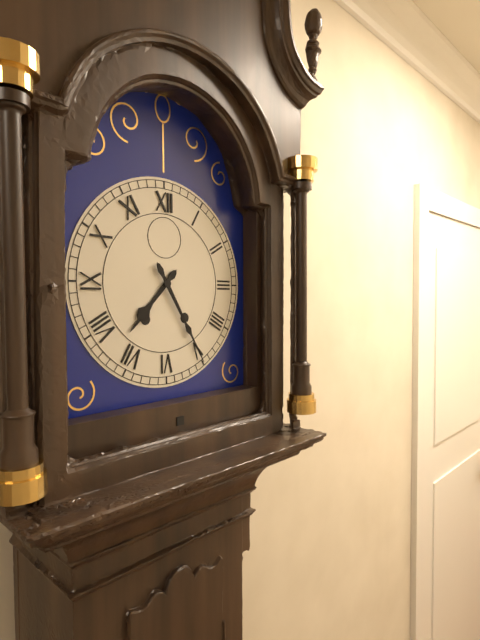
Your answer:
7:25
